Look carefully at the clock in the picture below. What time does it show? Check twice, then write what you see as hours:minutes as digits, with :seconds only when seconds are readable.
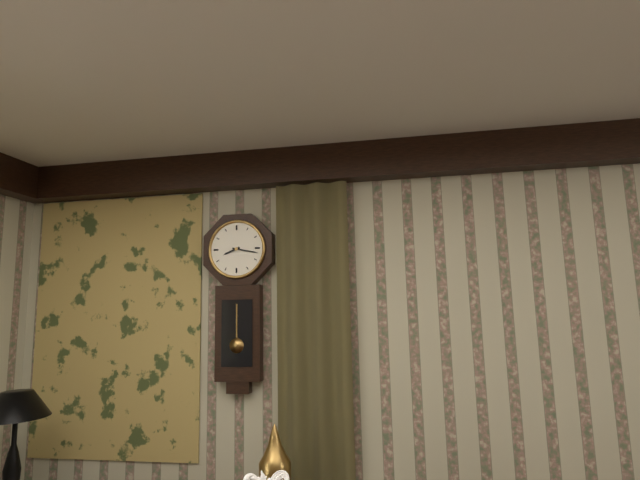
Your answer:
8:17
